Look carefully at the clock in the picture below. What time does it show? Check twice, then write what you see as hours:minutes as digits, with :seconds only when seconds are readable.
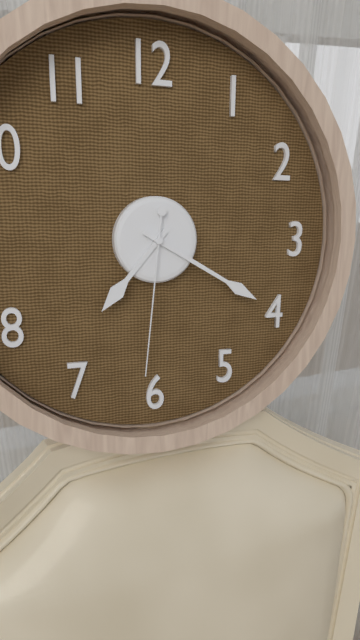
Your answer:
7:20:31
